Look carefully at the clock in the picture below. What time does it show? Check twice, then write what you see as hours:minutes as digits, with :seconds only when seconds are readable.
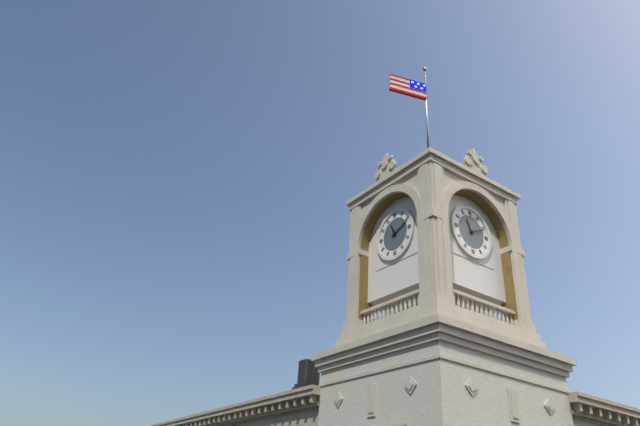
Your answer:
11:11
